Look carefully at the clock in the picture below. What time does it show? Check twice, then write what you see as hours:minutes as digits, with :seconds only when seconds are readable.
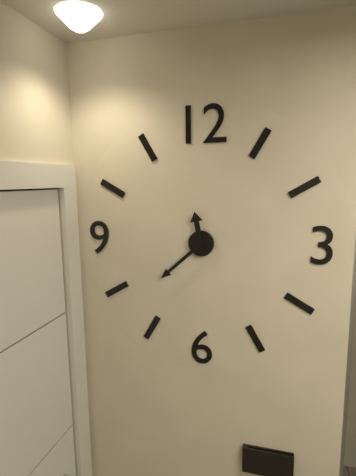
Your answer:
11:38
